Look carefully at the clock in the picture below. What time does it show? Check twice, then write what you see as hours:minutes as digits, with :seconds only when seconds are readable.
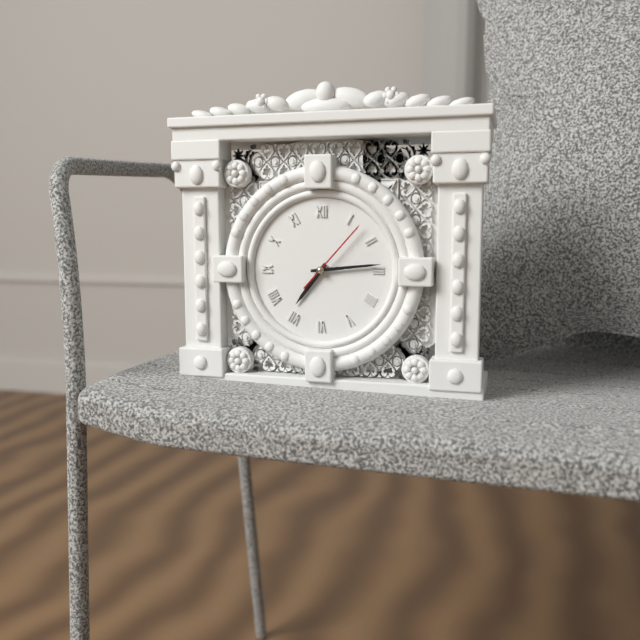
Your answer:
7:14:07
